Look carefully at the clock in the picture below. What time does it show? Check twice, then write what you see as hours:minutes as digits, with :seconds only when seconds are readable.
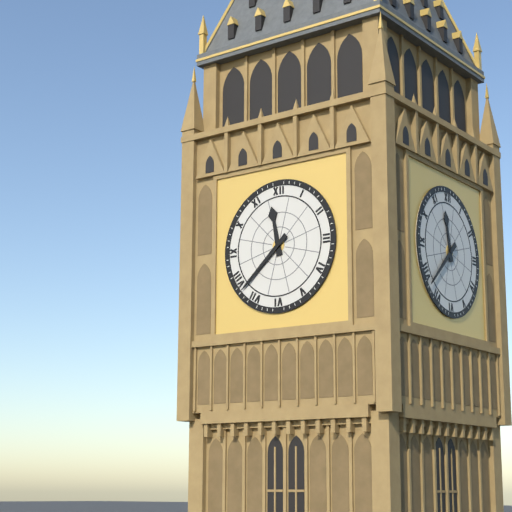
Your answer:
11:38
